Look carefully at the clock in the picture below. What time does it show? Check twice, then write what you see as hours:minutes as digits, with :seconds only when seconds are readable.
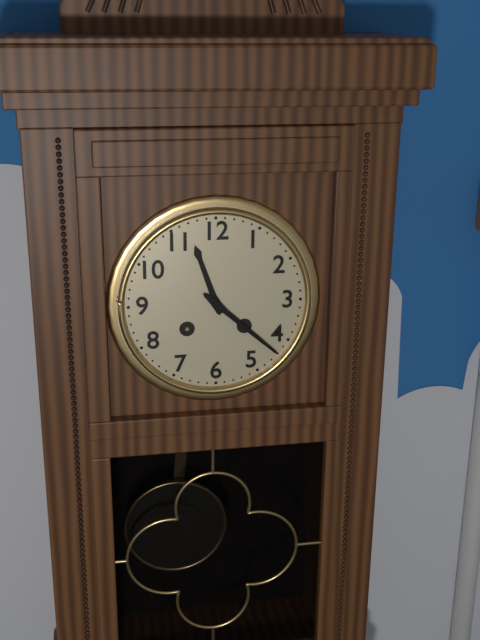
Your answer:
11:22
